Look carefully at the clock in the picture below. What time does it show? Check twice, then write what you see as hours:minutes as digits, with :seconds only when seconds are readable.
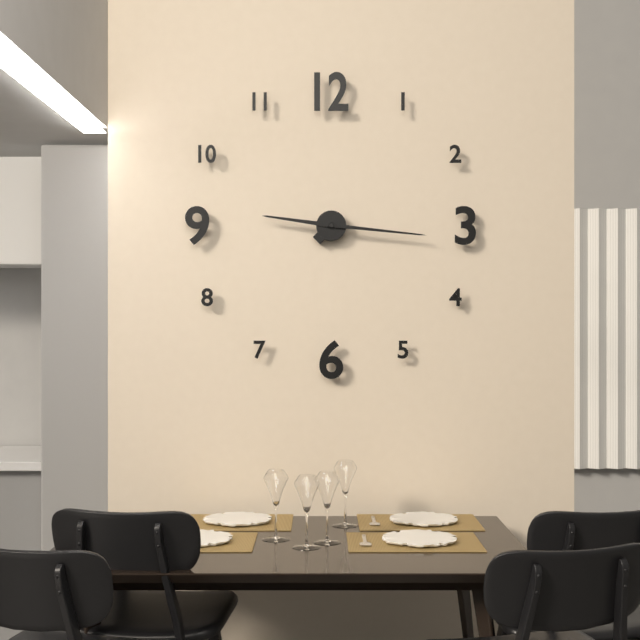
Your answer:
9:16
